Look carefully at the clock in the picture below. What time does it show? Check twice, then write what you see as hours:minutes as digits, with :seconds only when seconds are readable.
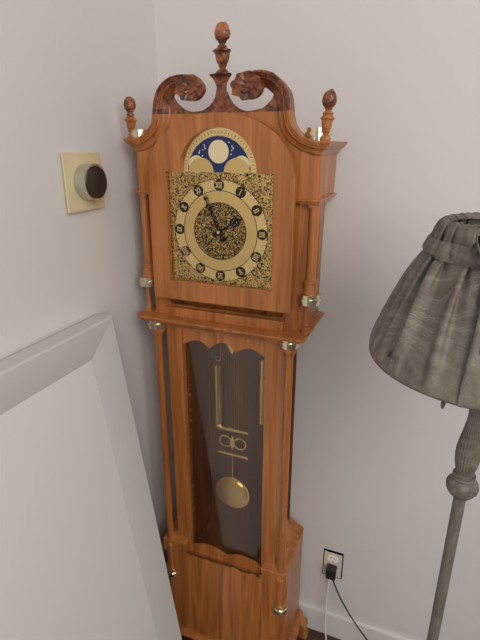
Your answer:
1:56
